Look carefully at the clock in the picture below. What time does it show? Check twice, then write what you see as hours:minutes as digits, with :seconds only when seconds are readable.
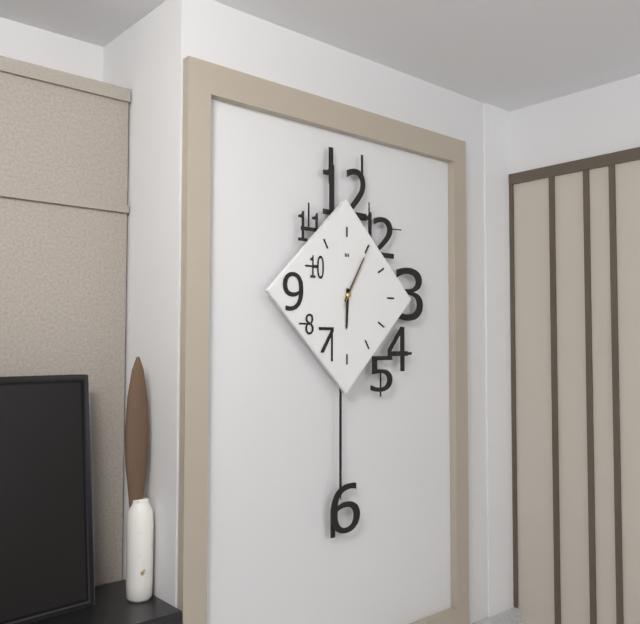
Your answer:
6:05:05
